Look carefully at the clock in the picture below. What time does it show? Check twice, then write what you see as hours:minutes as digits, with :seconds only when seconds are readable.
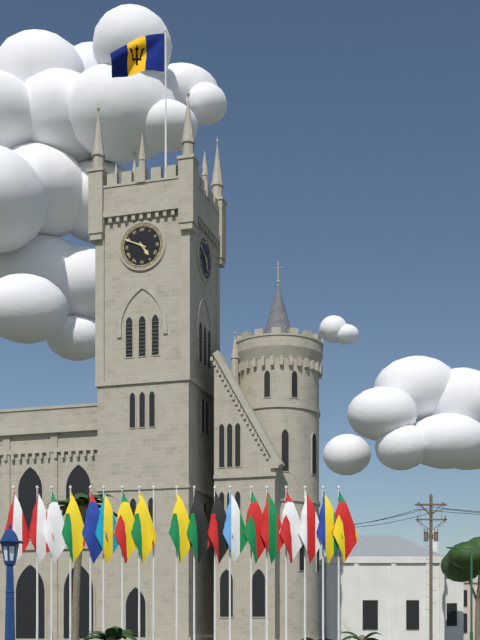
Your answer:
4:49
